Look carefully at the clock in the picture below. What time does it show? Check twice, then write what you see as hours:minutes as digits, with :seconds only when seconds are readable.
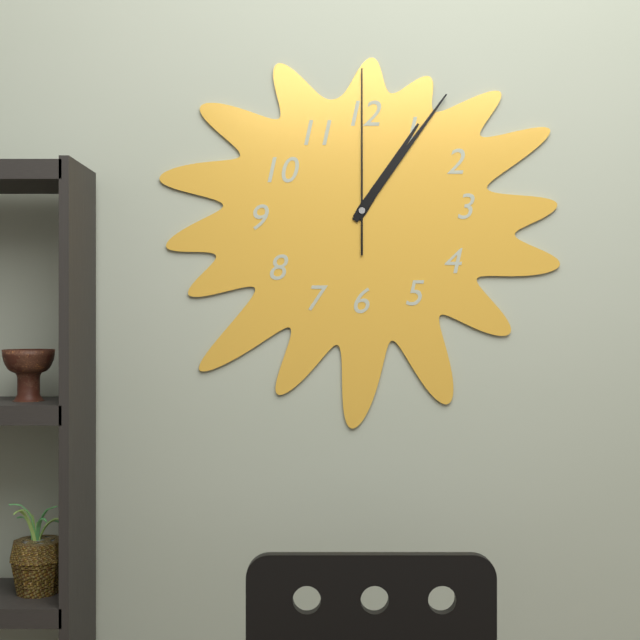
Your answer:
1:06:00
